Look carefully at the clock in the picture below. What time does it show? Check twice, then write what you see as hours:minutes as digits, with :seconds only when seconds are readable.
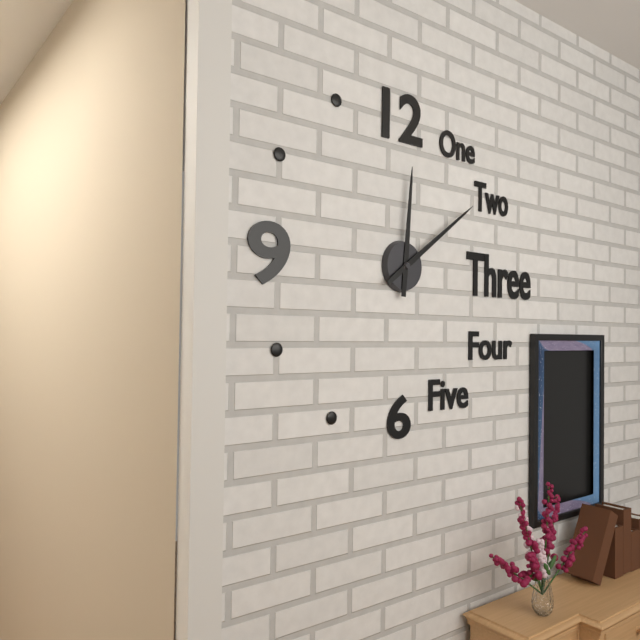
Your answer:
12:09
